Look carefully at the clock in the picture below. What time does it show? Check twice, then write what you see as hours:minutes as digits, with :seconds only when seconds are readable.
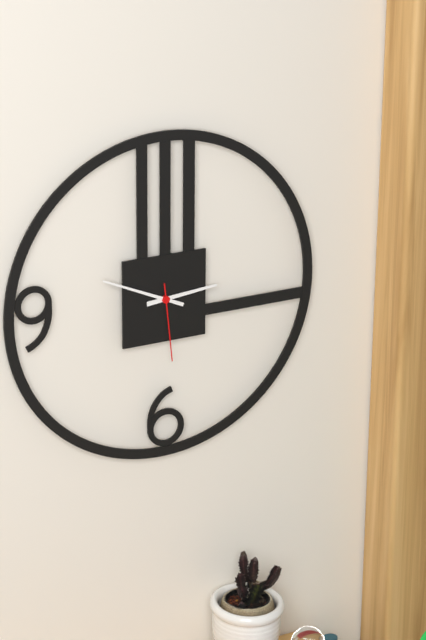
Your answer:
2:49:29
